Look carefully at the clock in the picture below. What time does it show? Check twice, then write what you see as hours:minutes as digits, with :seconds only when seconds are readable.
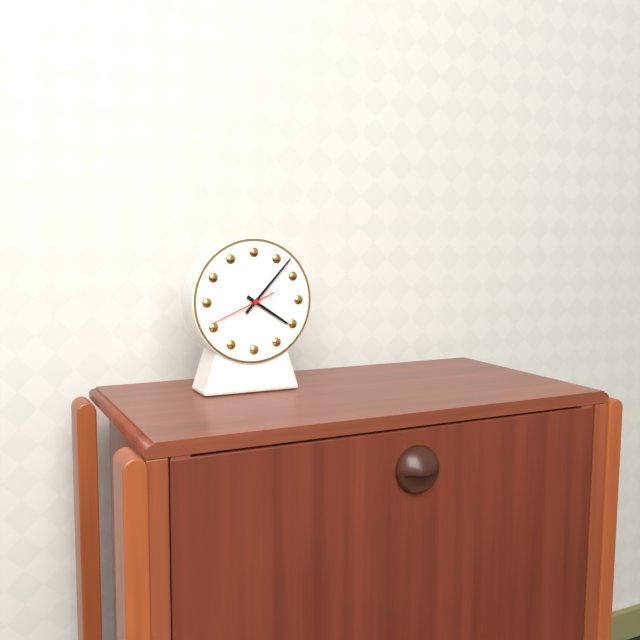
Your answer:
4:07:41
